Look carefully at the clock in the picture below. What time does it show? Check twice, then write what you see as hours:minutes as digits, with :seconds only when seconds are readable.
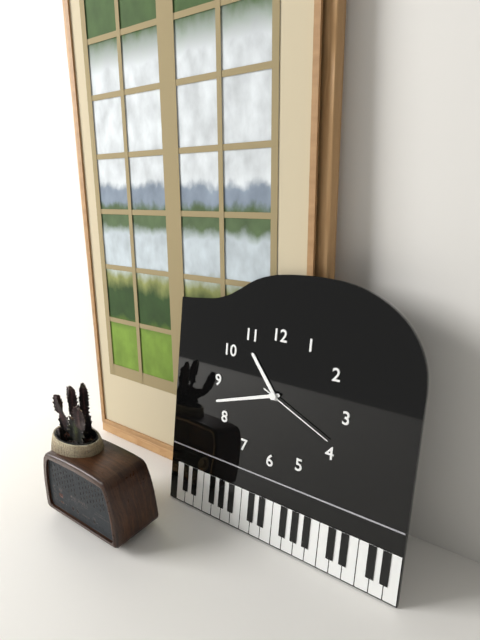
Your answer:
10:42:19
